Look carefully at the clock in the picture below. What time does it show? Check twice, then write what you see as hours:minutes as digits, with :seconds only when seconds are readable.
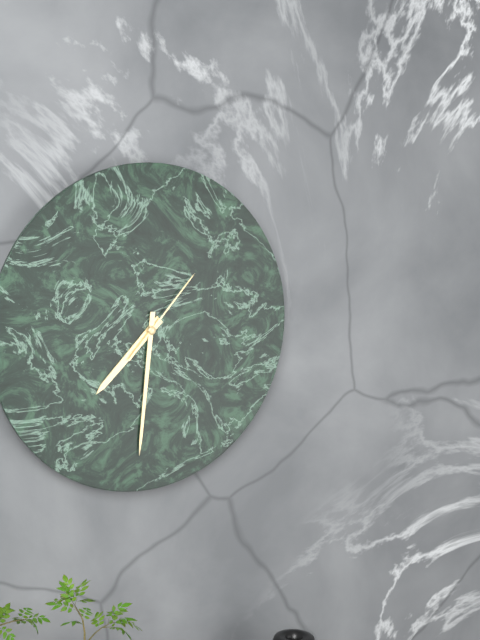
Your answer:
7:31:07
